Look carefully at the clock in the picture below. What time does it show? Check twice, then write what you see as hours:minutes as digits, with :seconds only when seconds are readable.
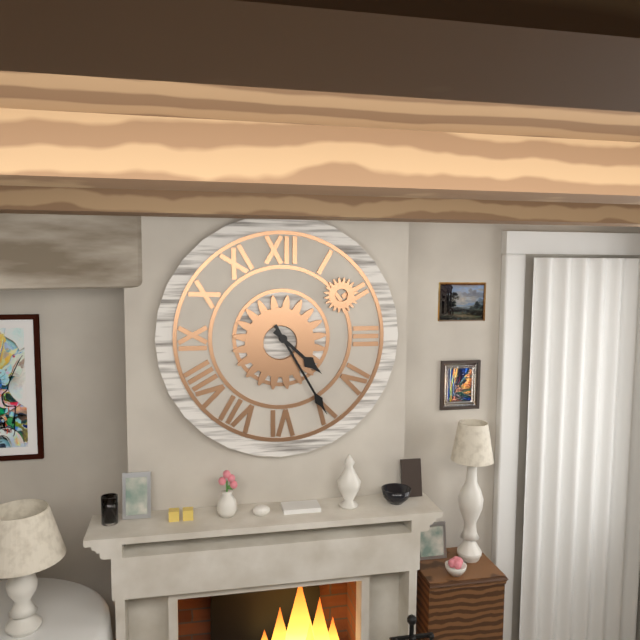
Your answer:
4:25
